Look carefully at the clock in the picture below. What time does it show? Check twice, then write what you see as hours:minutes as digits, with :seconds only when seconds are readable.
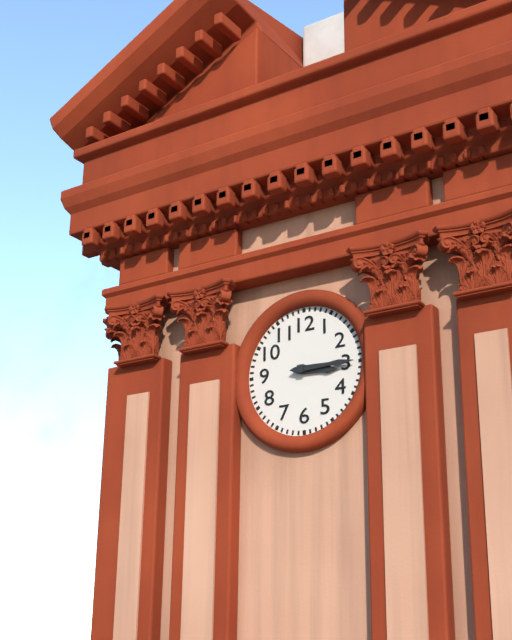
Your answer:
3:15
